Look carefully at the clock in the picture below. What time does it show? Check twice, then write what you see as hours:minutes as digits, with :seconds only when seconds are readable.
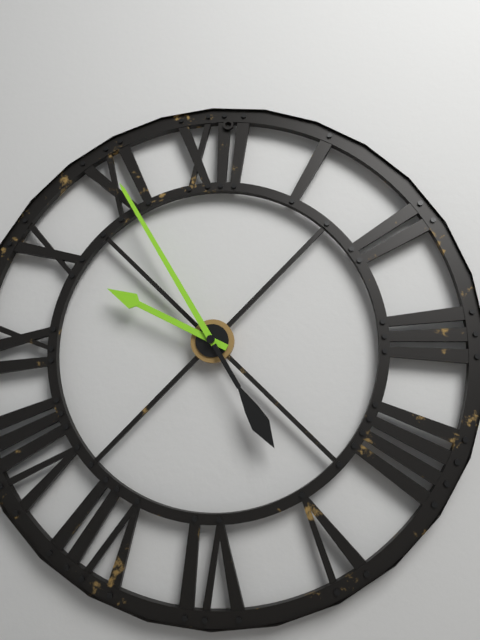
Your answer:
9:55
